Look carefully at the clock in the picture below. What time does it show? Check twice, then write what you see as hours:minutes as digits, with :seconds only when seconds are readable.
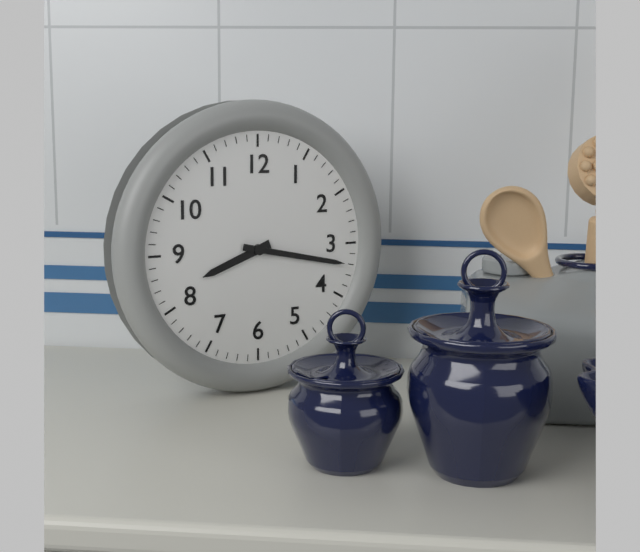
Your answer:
8:17
